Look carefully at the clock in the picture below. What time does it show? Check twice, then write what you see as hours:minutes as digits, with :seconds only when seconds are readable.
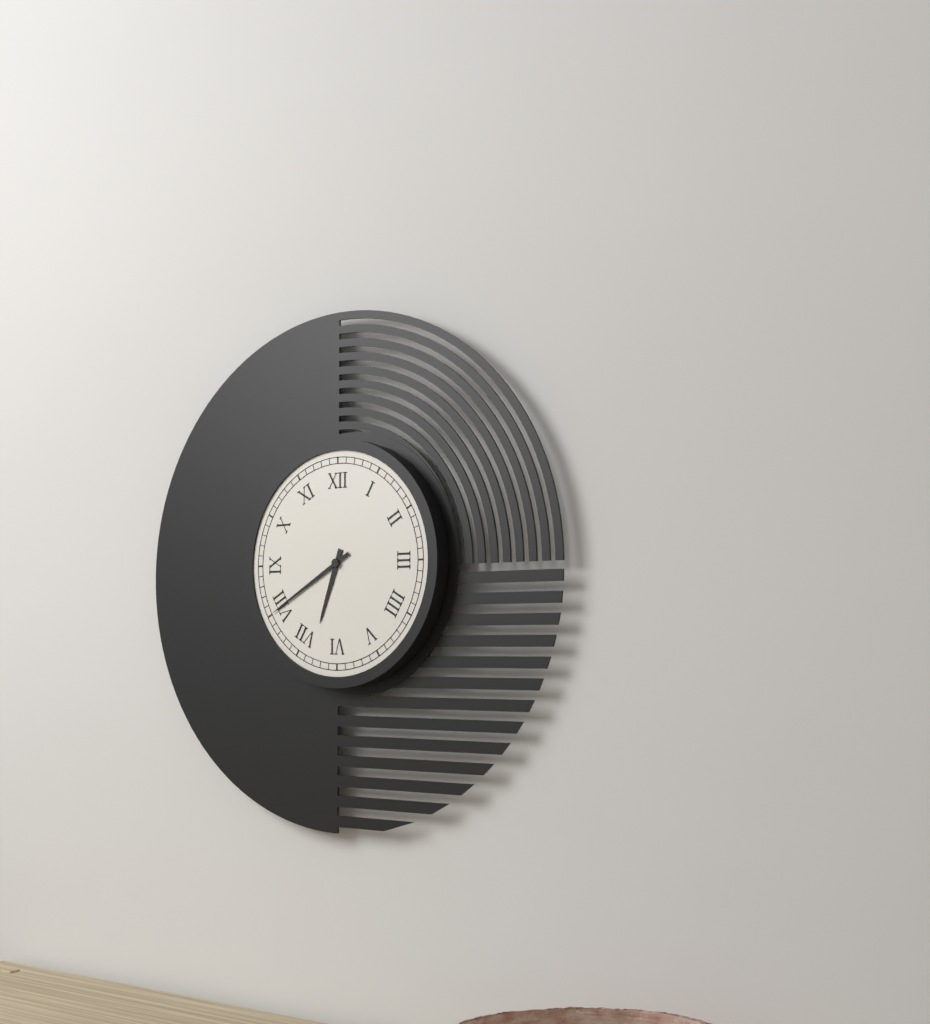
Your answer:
6:40
